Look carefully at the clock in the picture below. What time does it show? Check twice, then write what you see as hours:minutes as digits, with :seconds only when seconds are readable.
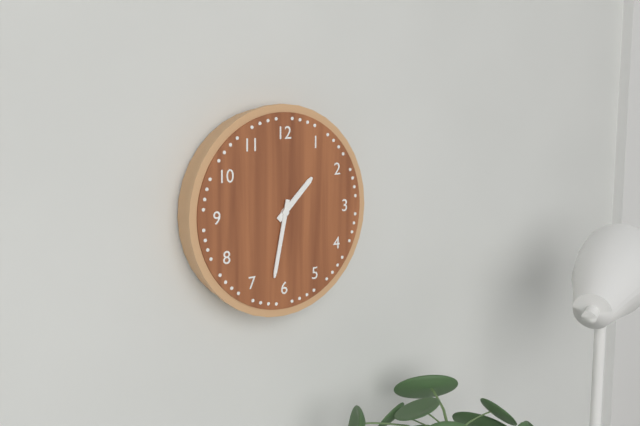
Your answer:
1:32
